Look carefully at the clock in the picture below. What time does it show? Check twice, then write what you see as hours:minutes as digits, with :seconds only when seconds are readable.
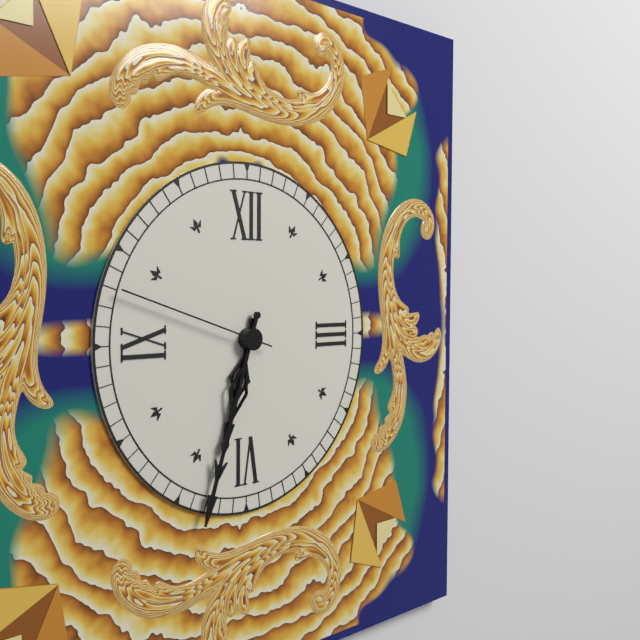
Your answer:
6:33:48
